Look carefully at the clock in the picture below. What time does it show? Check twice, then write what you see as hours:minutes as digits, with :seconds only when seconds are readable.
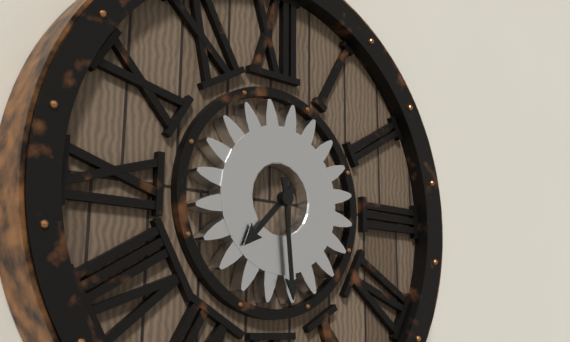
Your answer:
7:29
